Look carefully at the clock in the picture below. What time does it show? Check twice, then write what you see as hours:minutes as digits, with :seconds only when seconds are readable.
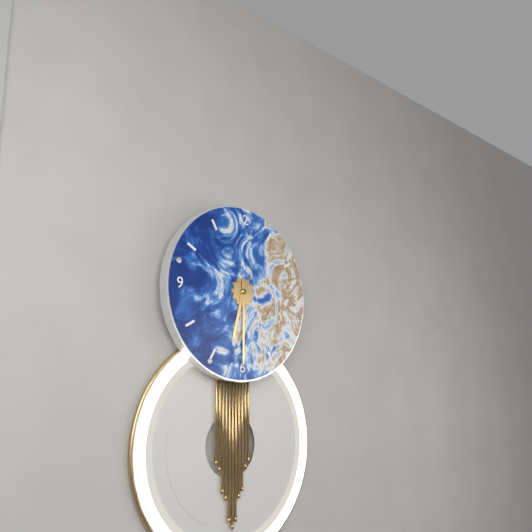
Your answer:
6:30
